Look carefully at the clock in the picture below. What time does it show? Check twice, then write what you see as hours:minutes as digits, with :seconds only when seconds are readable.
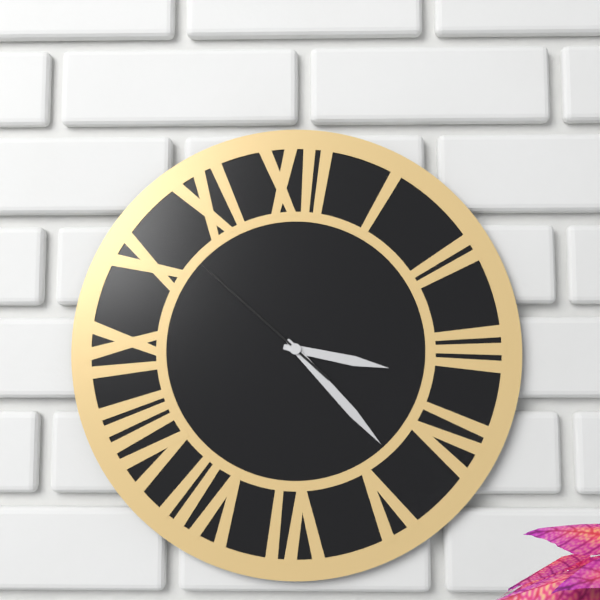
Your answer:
3:23:52
